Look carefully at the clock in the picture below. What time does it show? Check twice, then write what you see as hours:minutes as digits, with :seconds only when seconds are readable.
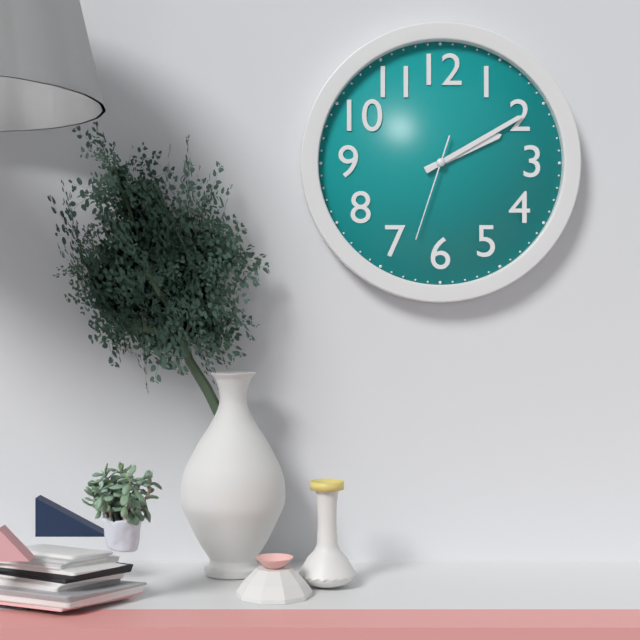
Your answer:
2:10:33
